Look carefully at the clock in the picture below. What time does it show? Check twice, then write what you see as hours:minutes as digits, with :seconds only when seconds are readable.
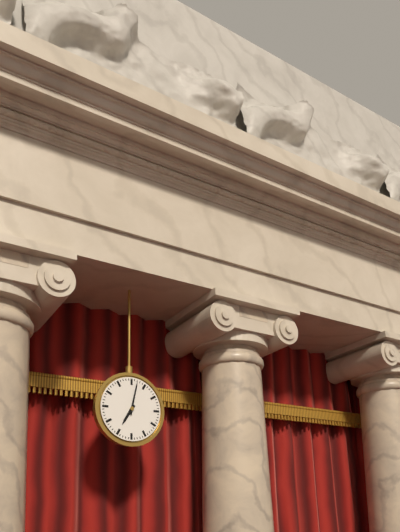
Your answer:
7:02
